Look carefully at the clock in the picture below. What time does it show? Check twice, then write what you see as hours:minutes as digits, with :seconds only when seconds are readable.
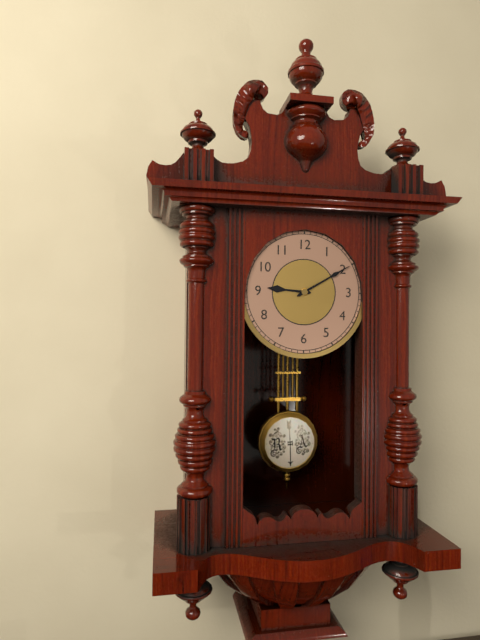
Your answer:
9:10
